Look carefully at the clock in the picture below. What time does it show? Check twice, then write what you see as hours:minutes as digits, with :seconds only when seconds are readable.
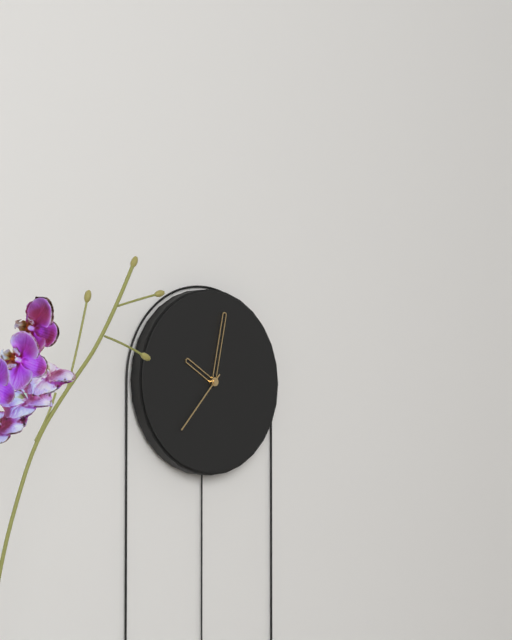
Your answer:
10:02:37
